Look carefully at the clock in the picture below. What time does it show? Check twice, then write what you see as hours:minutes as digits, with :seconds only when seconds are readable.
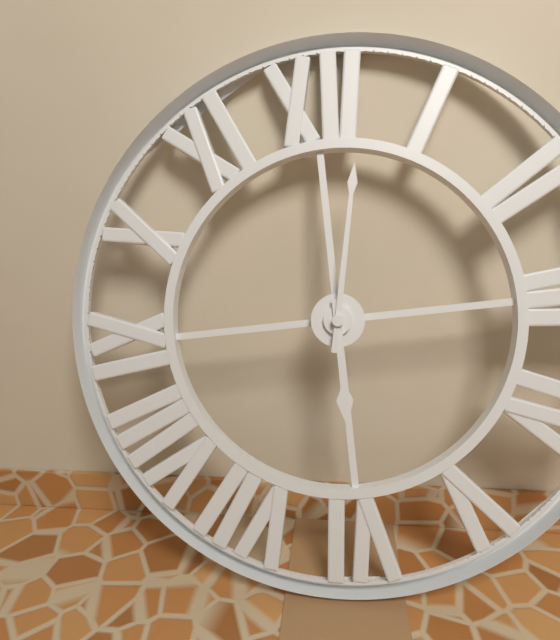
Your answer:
6:02
